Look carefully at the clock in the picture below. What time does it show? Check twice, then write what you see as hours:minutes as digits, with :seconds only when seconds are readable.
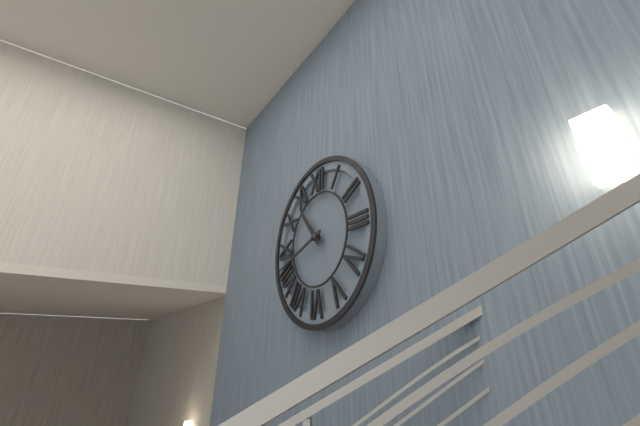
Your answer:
10:42
